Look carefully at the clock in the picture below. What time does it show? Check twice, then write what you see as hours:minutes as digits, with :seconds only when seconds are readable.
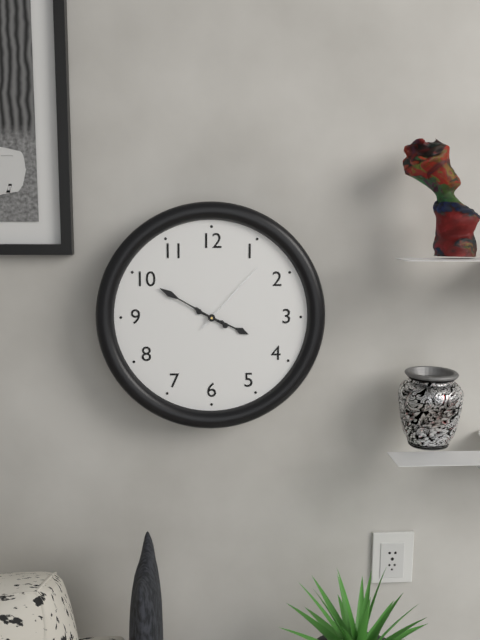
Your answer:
3:50:07
